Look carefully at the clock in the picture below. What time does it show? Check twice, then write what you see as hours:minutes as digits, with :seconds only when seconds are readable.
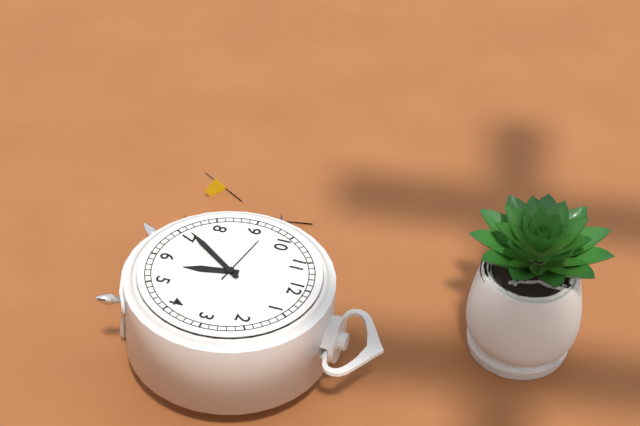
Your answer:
5:36:47
